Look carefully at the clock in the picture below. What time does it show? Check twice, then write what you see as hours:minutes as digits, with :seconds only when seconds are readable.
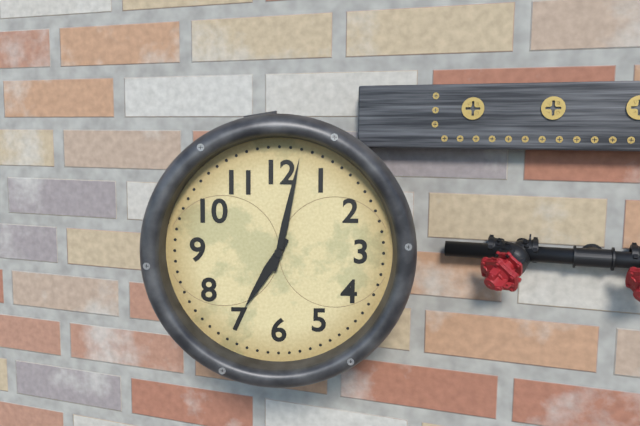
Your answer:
7:02
